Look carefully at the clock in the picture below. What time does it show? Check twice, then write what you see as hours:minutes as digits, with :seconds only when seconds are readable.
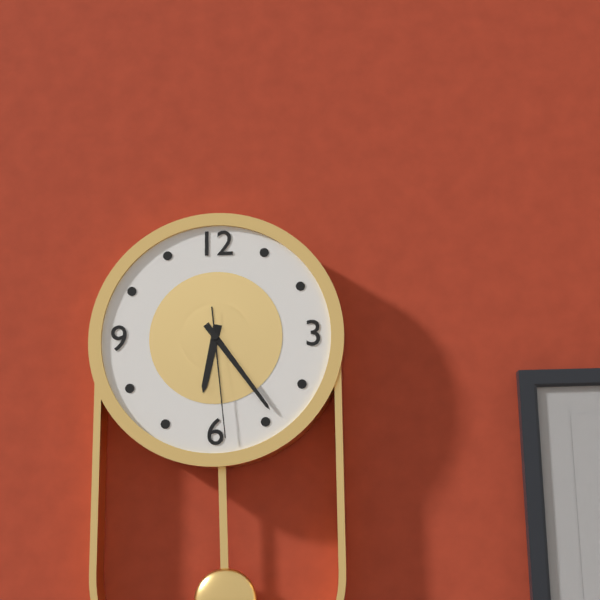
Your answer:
6:24:29
